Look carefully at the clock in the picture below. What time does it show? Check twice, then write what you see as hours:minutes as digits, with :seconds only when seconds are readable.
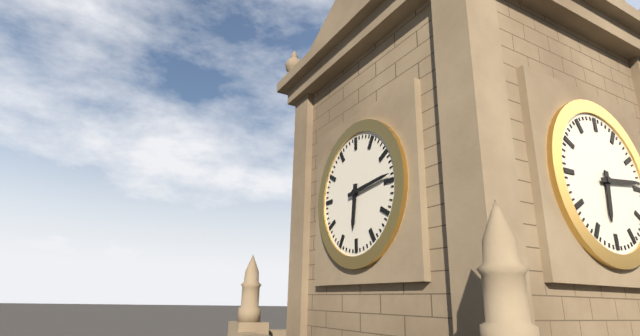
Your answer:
6:14
